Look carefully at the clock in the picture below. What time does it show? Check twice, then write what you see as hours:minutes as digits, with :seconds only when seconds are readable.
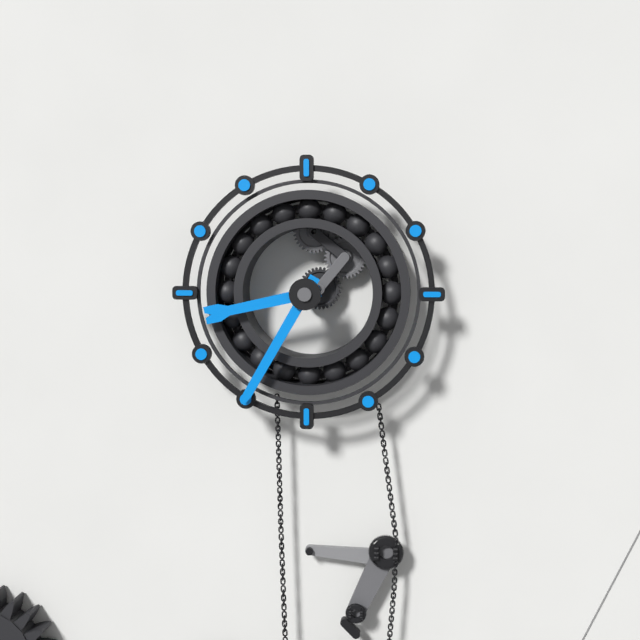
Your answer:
8:35
